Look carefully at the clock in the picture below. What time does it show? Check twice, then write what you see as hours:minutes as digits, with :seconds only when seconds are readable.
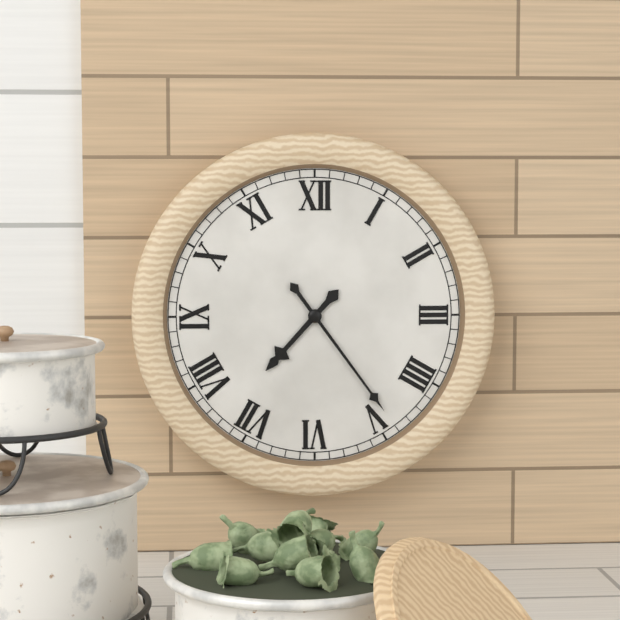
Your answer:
7:24
